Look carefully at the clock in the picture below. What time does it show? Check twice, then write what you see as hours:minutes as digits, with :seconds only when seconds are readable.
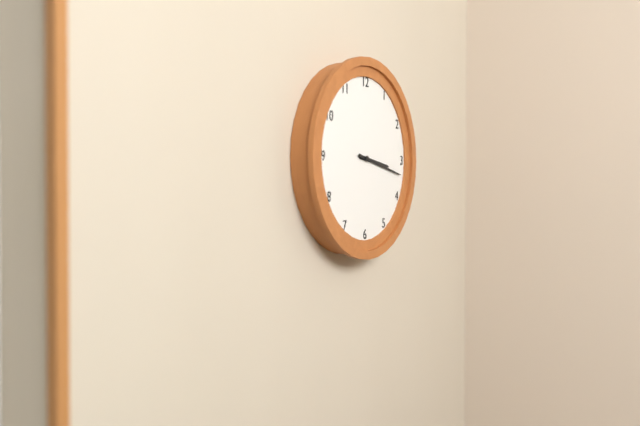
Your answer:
3:17
